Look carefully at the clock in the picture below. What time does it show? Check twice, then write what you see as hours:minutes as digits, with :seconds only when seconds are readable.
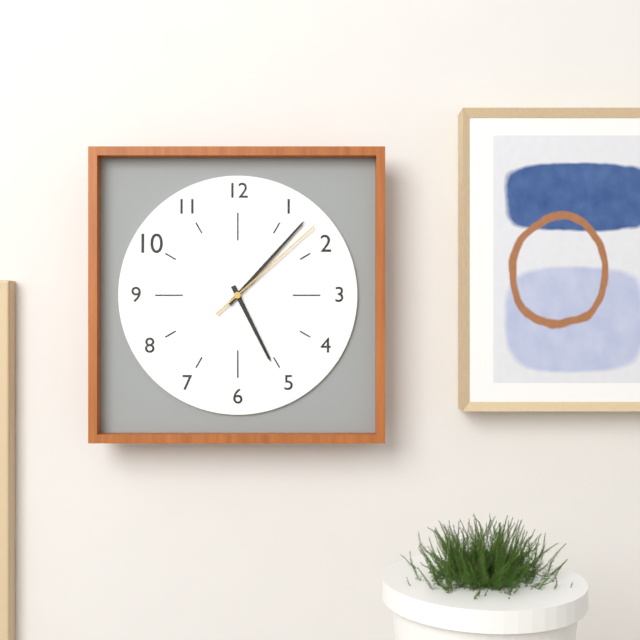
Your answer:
5:07:08
